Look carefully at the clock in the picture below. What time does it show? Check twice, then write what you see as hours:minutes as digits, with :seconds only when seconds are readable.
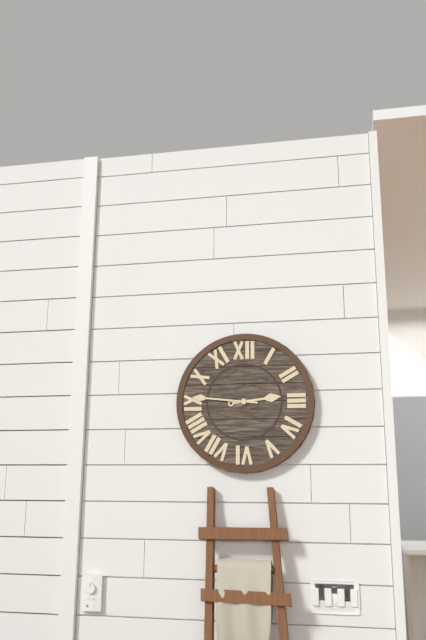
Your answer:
2:46
